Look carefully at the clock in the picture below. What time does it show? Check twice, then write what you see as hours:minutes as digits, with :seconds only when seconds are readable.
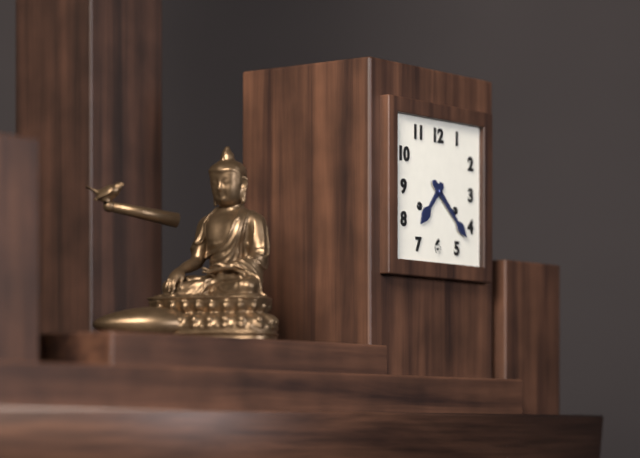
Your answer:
7:22
